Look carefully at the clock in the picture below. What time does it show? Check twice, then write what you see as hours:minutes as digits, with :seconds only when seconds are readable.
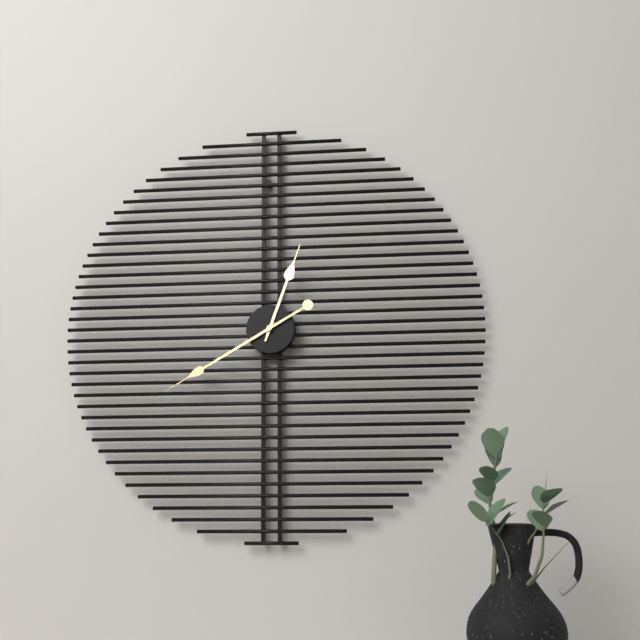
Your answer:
12:40
